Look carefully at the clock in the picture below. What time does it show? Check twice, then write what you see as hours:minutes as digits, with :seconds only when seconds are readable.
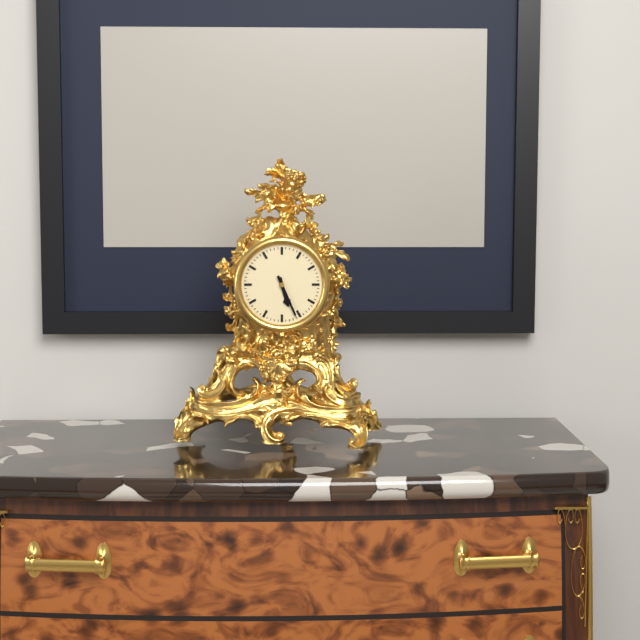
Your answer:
5:26
